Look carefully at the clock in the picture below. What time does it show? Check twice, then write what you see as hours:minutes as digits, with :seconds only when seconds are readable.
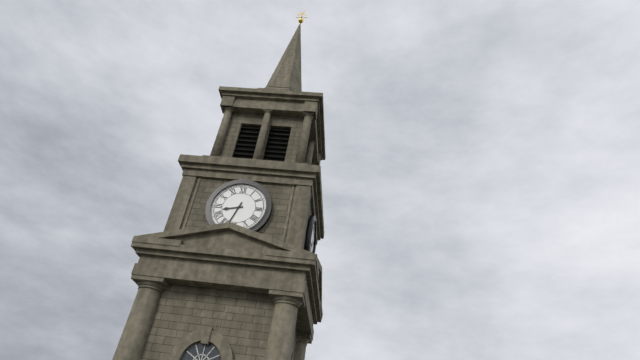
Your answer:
8:33
